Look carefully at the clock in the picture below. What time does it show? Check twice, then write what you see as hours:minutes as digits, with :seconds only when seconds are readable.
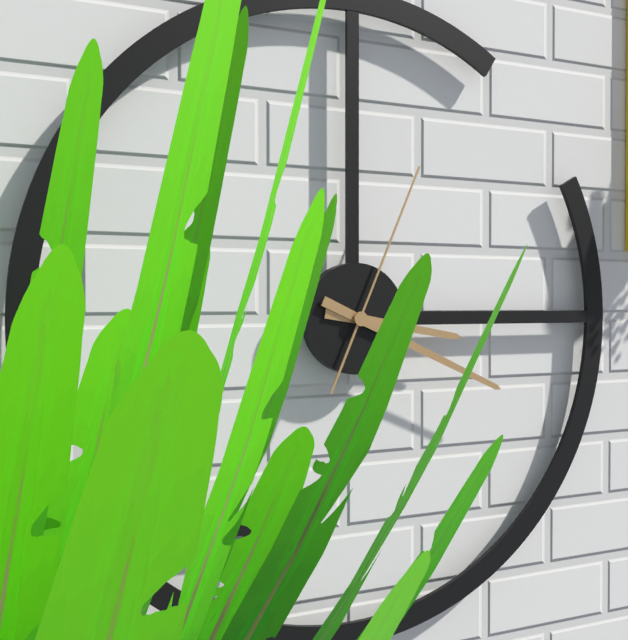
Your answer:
3:19:04
